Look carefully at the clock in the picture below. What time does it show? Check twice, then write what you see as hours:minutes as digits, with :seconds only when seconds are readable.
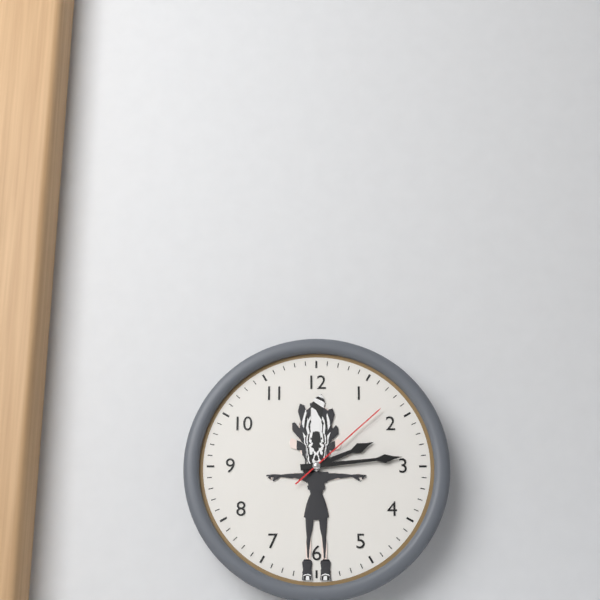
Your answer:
2:14:08
